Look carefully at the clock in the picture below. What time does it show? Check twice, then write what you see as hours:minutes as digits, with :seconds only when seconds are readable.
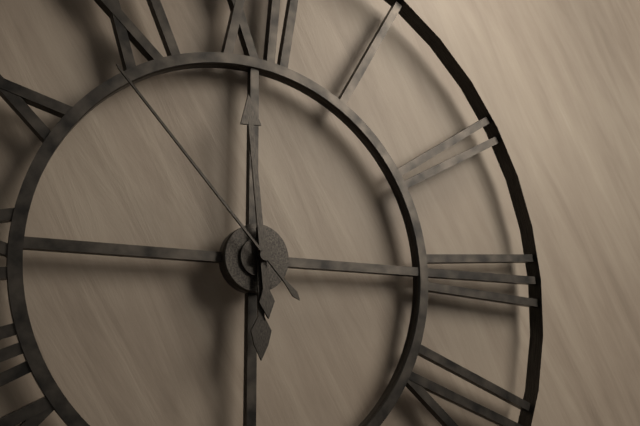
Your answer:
5:59:53
